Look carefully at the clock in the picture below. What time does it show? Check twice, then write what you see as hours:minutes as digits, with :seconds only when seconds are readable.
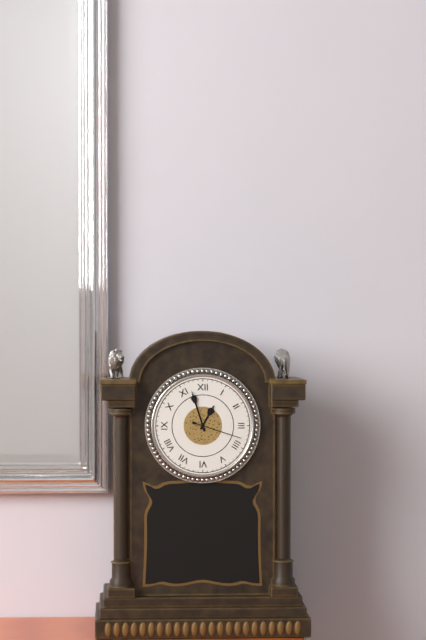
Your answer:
12:57:18
